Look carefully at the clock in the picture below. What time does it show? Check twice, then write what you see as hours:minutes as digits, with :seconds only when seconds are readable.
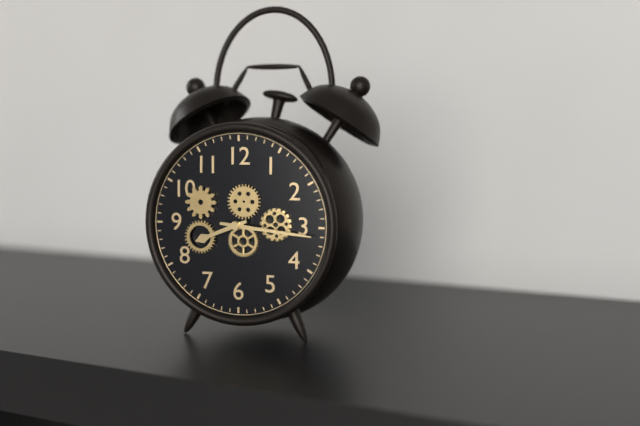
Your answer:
8:16
